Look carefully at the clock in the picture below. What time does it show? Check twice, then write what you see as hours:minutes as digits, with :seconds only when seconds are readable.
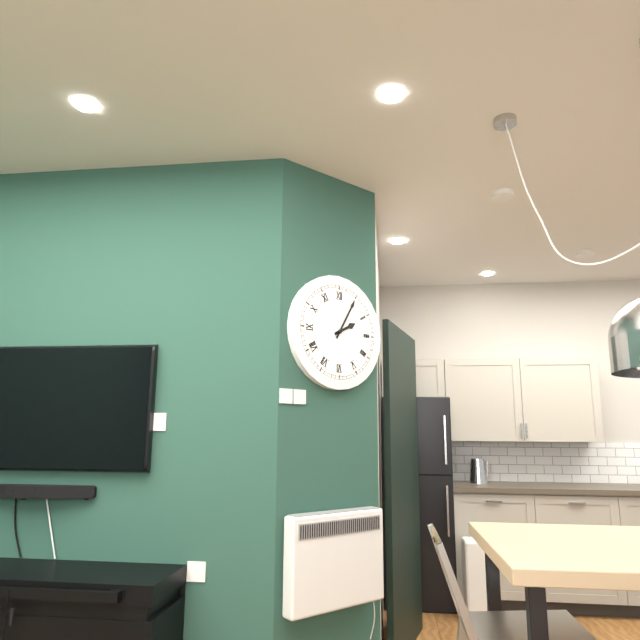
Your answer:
2:05
